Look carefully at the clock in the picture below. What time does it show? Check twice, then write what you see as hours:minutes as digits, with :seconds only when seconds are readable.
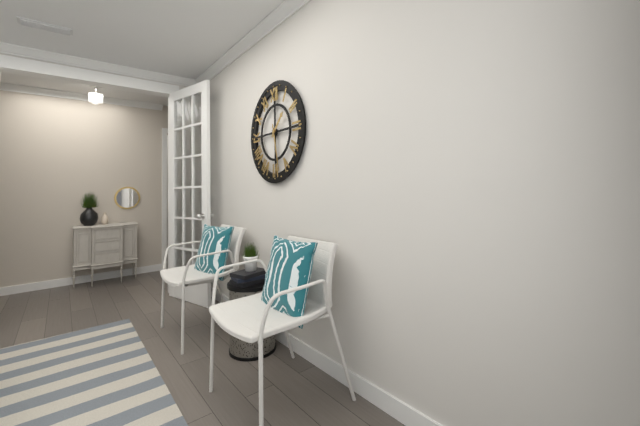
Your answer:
1:28
